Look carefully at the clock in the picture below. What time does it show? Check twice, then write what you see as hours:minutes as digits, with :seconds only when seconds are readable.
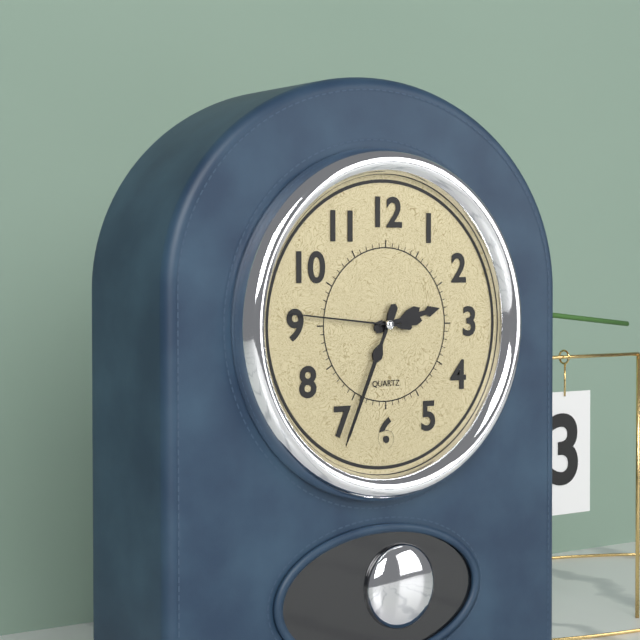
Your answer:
2:34:46
